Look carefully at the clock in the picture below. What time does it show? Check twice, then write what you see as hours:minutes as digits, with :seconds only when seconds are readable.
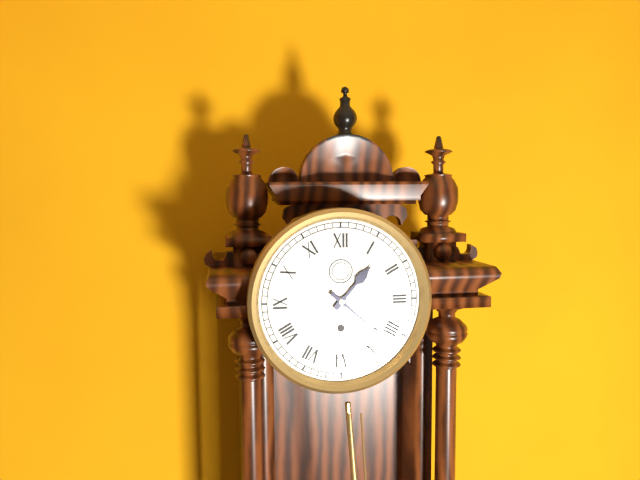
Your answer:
1:22
